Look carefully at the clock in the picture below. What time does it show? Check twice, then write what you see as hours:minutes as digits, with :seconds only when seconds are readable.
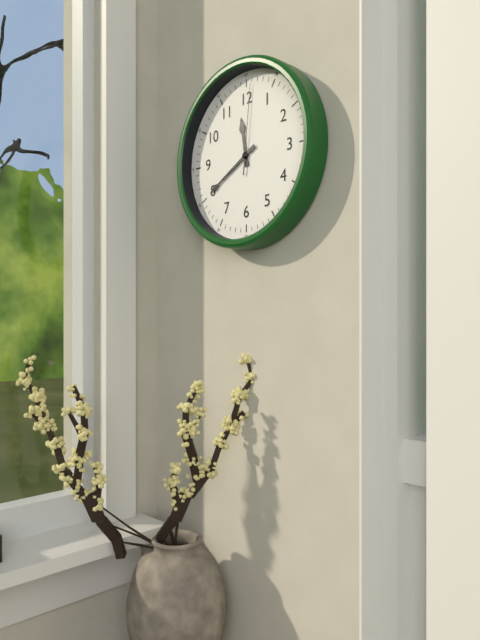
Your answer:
11:40:01
